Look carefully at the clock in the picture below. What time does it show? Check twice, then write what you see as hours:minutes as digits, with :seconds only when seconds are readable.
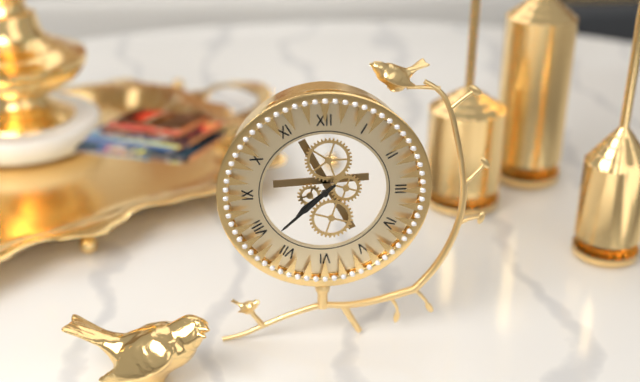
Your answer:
7:38
